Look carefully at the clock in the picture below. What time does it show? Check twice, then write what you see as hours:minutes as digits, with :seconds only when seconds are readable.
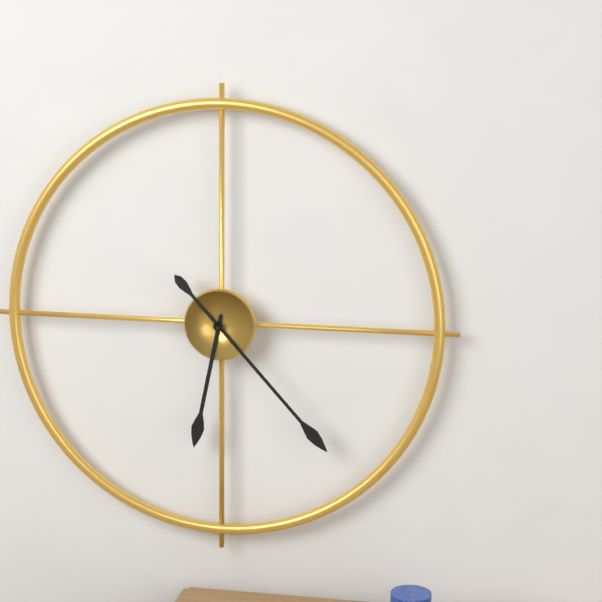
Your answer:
6:23
